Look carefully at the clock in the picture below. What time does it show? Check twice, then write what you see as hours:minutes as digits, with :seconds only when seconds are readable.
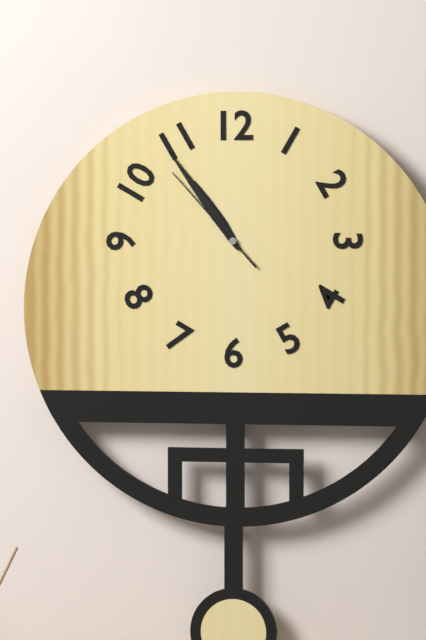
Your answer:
10:54:53
